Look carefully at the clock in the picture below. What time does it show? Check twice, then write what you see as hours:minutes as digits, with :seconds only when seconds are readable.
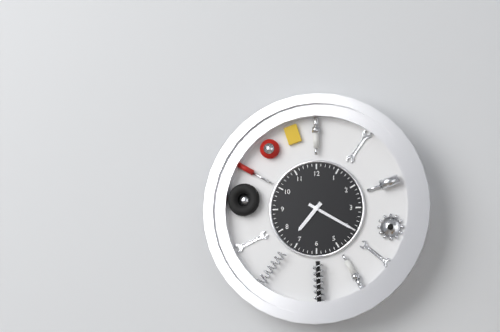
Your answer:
7:20
